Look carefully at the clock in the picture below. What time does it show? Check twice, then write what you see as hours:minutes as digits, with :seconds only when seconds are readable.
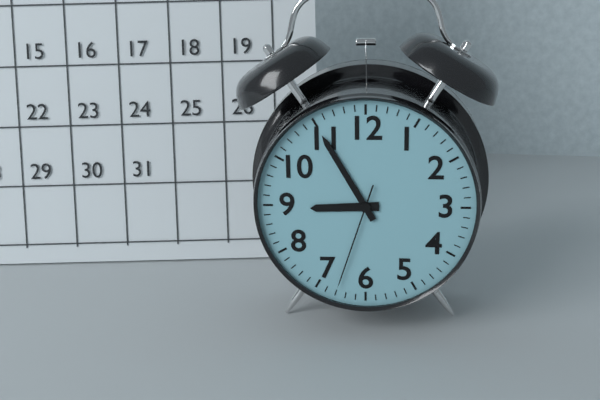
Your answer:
8:55:33
